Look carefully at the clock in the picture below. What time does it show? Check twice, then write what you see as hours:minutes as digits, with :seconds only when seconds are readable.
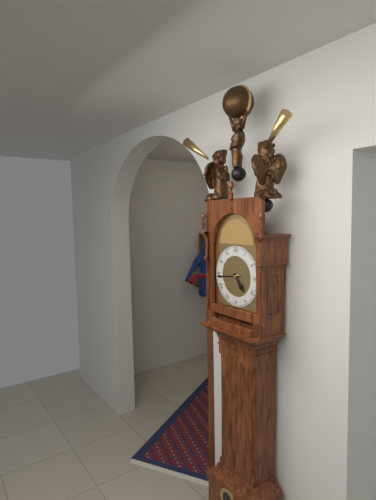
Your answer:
4:44
